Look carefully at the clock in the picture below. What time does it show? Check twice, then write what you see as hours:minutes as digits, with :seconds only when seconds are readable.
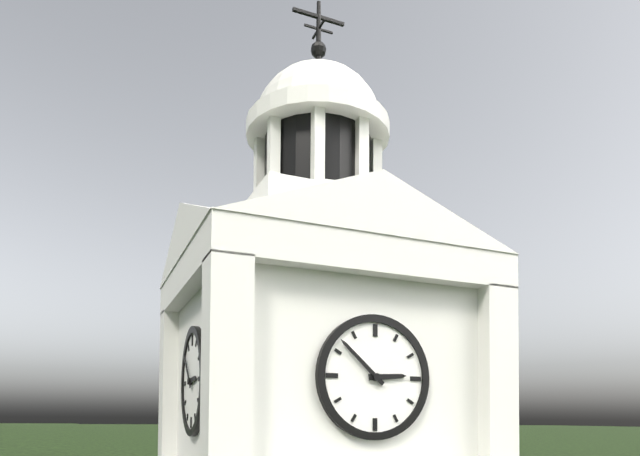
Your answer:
2:52
